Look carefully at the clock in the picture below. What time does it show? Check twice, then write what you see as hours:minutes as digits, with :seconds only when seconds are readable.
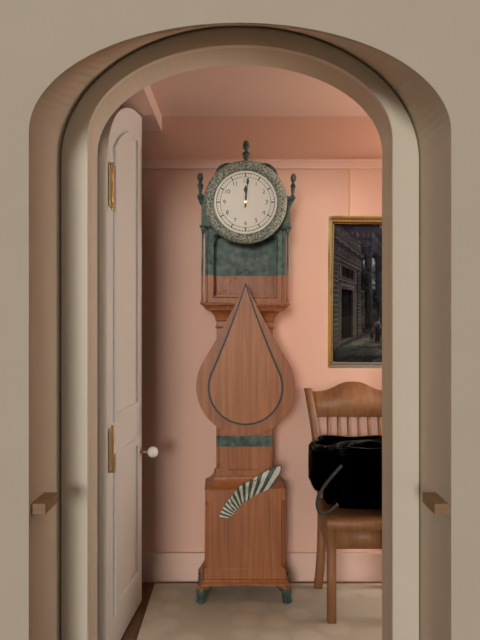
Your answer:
12:01
